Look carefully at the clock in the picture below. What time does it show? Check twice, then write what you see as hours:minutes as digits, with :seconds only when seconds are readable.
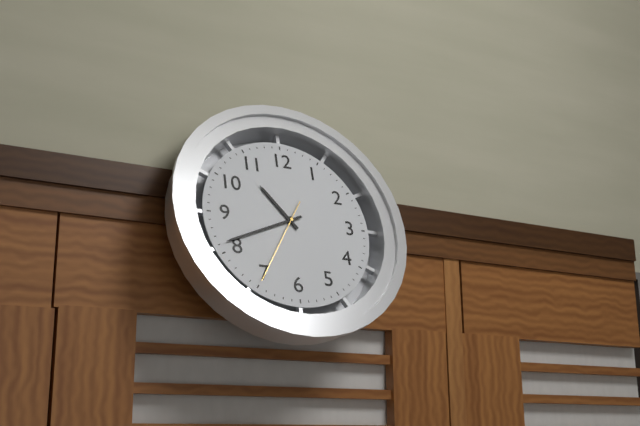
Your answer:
10:41:35
